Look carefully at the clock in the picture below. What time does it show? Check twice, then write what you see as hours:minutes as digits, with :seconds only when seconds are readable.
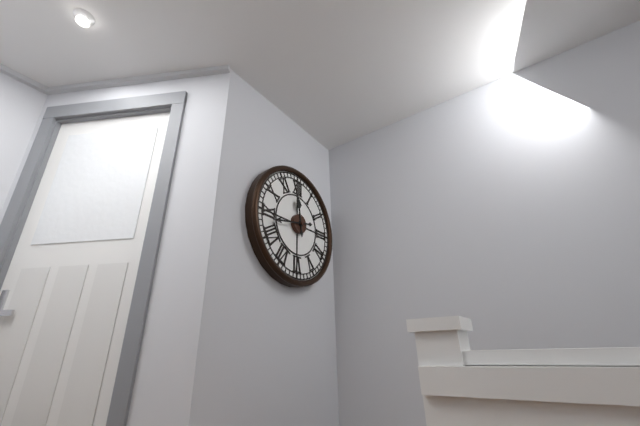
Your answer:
11:43
